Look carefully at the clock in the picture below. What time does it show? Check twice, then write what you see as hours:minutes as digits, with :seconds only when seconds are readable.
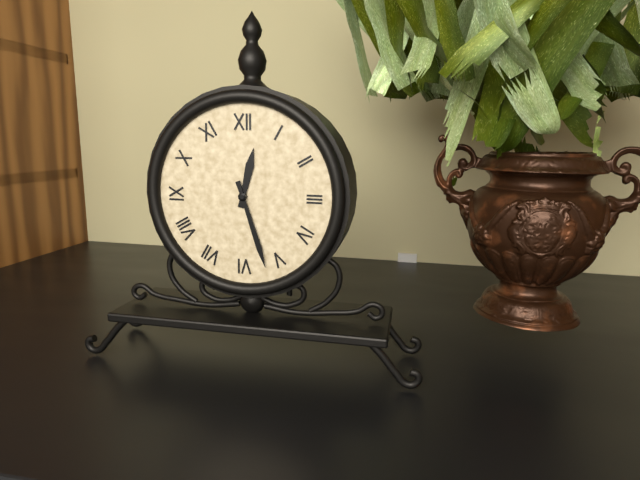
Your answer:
12:27
